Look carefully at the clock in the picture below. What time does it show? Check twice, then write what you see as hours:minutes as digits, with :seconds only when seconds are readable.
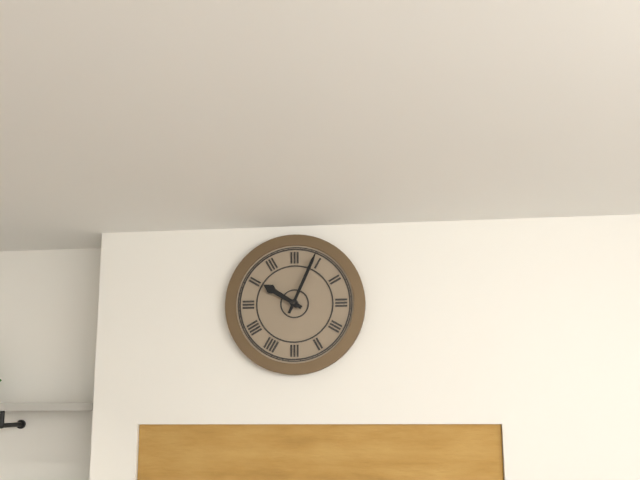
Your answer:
10:04
